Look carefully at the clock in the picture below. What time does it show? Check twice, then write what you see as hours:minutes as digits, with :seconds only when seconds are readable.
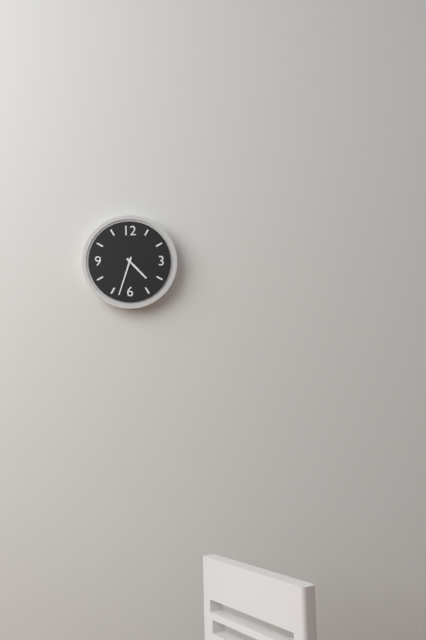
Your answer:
4:33
